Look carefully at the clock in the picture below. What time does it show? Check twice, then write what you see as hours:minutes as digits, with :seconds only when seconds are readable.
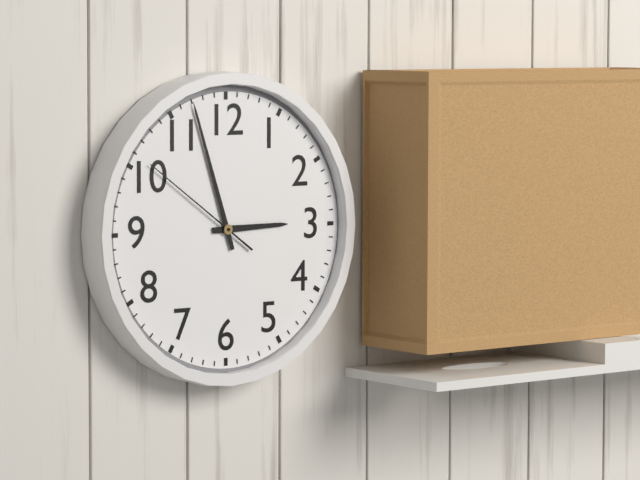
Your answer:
2:57:51
